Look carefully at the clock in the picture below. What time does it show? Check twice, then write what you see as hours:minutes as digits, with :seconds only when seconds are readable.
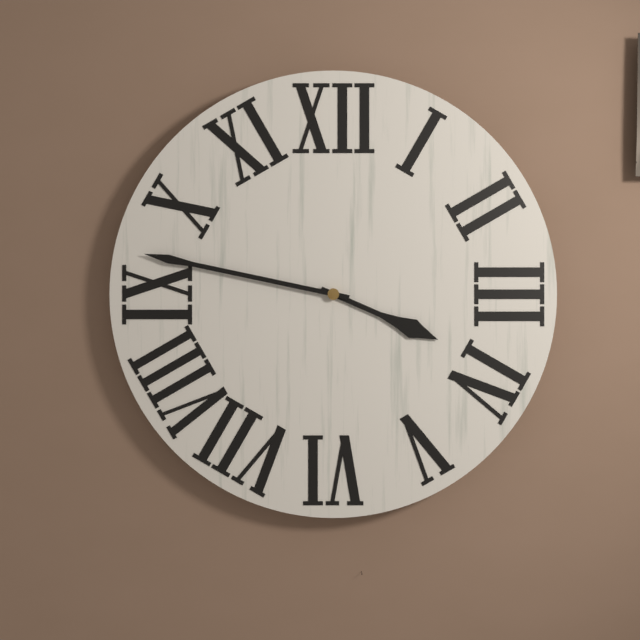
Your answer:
3:47
